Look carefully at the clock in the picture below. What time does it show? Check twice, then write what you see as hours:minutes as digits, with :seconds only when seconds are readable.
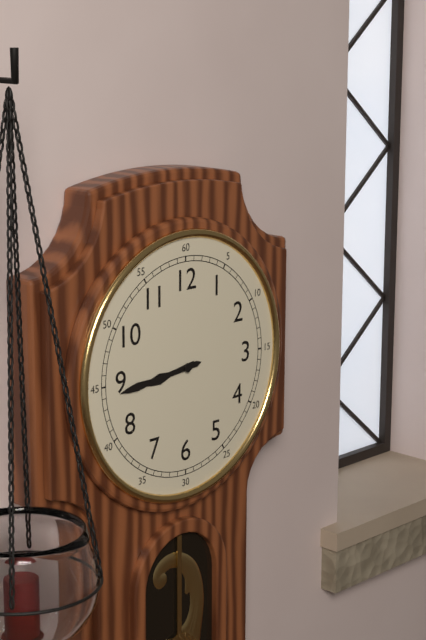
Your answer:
8:44
